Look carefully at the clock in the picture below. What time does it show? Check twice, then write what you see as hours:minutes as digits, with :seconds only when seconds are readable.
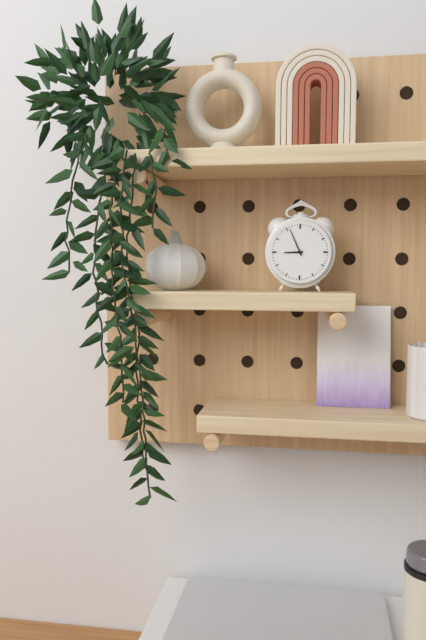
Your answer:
8:56
